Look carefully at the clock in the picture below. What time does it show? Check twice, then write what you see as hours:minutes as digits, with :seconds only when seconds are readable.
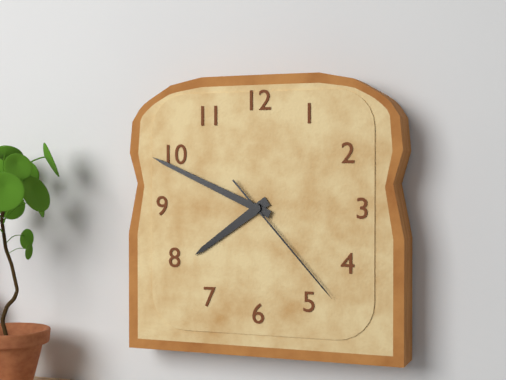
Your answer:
7:49:23
